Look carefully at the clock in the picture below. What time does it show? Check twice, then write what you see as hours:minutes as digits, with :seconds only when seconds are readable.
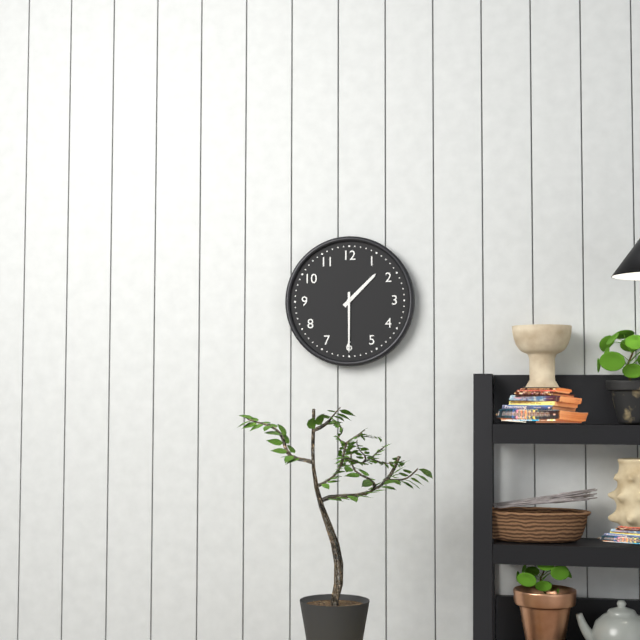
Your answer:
1:30
